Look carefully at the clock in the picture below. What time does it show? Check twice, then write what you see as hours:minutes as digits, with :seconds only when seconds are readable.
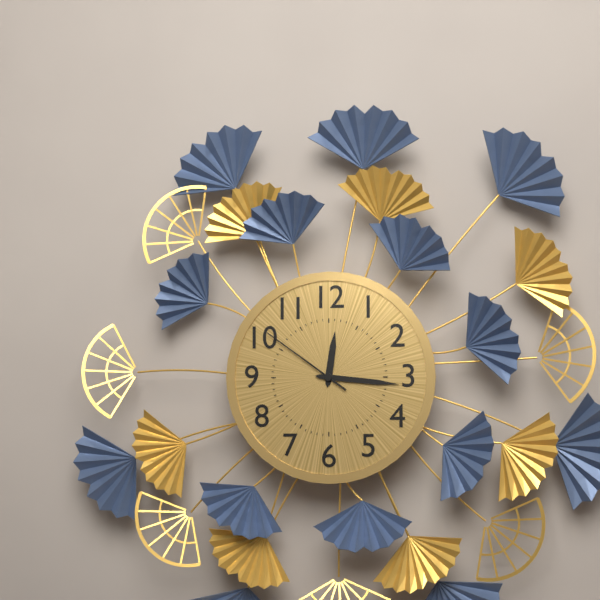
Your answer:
12:16:51
